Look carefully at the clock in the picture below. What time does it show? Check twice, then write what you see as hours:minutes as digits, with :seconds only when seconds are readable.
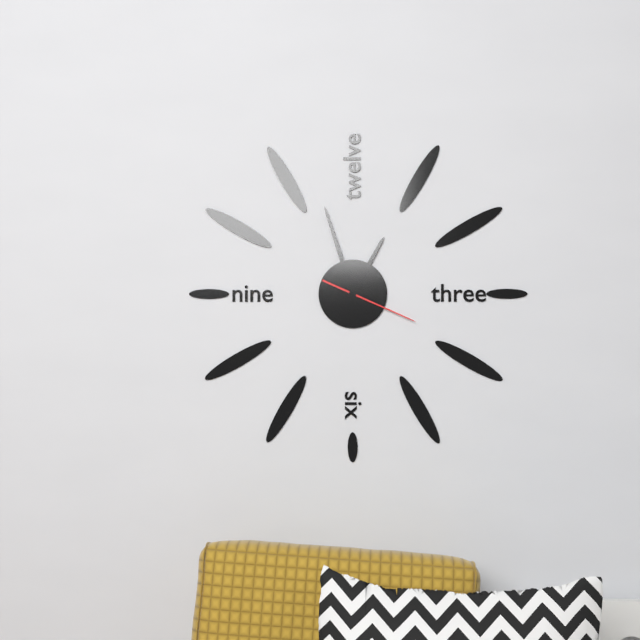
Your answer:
12:57:19
